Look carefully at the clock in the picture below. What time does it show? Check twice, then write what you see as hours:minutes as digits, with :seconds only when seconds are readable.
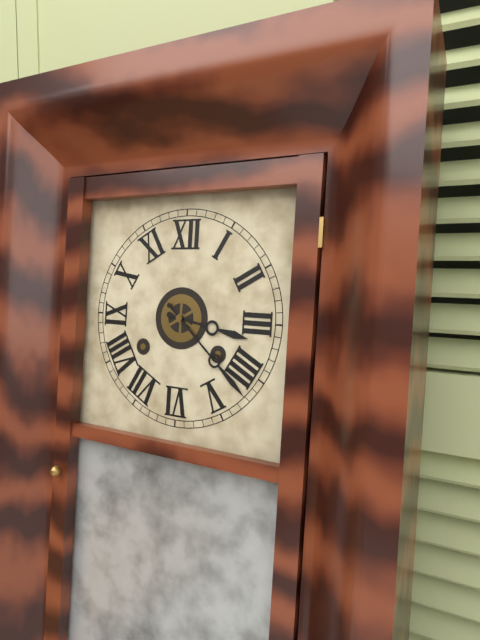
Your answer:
3:22
